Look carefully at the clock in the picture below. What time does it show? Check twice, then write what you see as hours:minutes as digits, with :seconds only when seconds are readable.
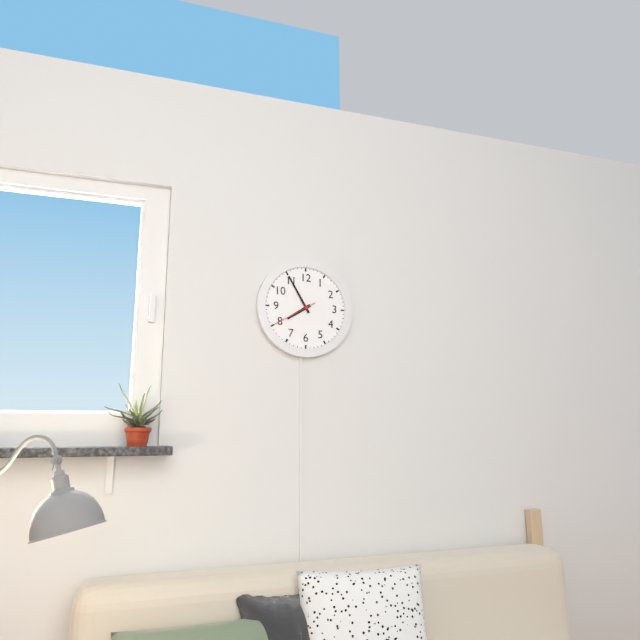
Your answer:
7:55
